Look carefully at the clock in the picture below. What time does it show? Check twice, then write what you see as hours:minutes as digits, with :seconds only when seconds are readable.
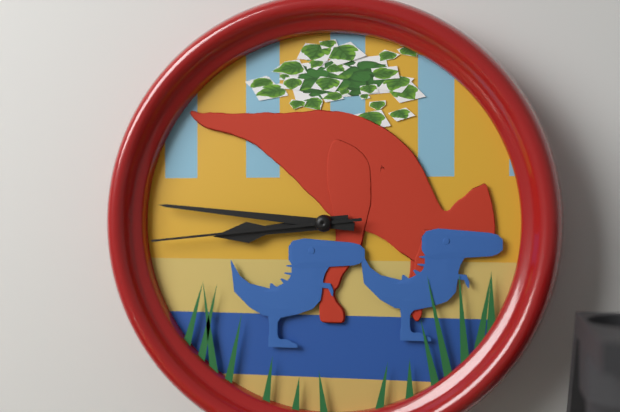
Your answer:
8:46:44
